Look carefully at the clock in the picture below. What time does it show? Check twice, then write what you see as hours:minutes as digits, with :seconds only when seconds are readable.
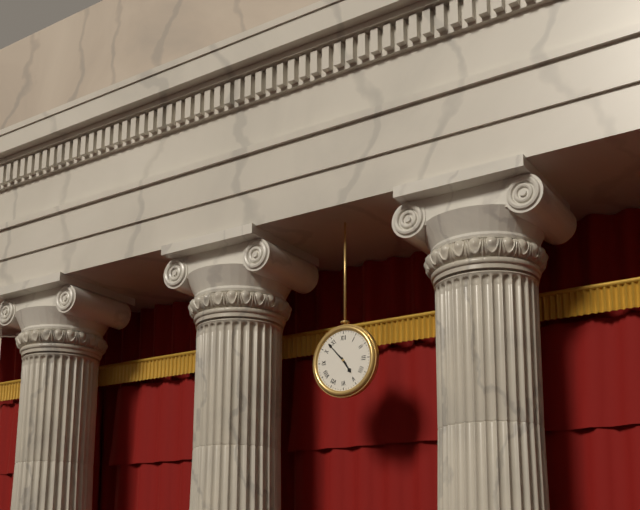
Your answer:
4:53
